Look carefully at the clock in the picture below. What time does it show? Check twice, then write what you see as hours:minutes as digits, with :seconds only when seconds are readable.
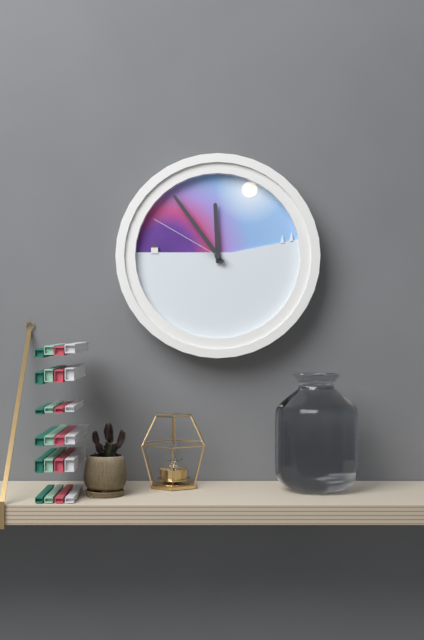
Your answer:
11:54:50
